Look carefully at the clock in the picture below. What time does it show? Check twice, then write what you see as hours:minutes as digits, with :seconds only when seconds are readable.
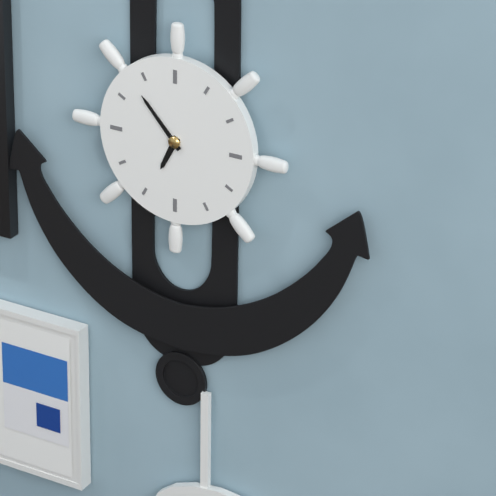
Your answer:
6:53
